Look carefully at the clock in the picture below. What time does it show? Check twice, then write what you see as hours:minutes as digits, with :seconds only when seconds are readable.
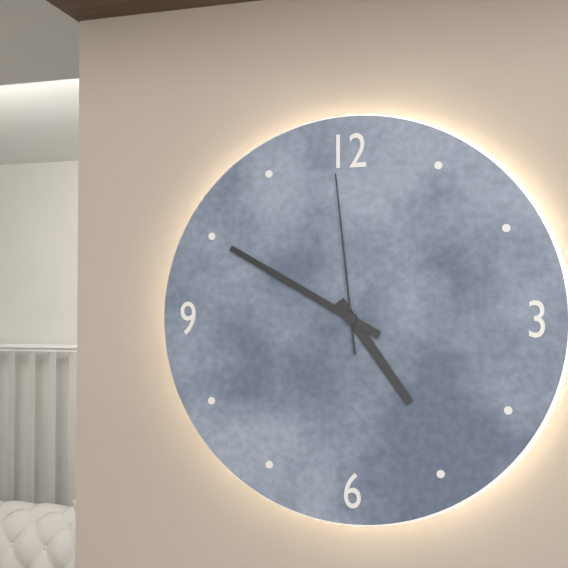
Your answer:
4:50:59
